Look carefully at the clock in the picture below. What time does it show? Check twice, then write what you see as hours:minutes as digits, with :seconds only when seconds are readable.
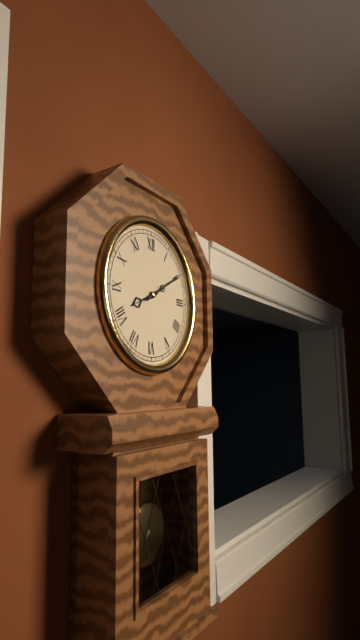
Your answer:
8:10
